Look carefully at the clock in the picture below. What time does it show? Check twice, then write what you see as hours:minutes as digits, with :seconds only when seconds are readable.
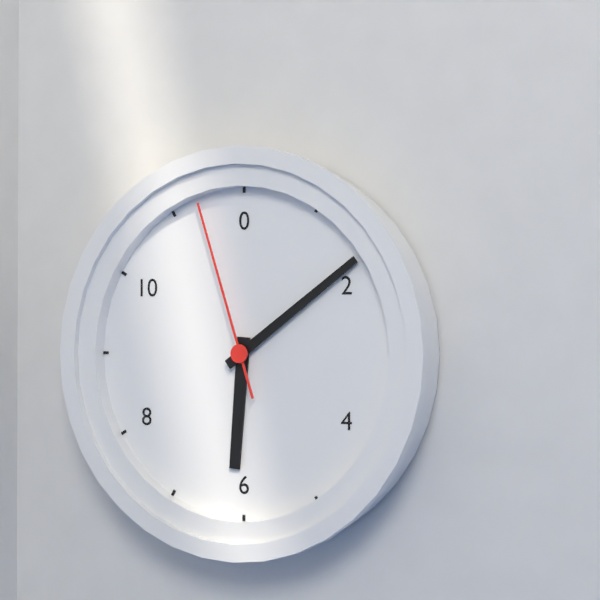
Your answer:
6:09:57
